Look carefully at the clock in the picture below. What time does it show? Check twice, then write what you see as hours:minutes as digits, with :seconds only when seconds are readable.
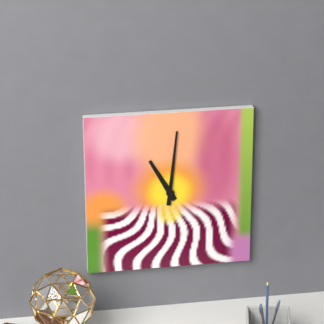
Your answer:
11:01
